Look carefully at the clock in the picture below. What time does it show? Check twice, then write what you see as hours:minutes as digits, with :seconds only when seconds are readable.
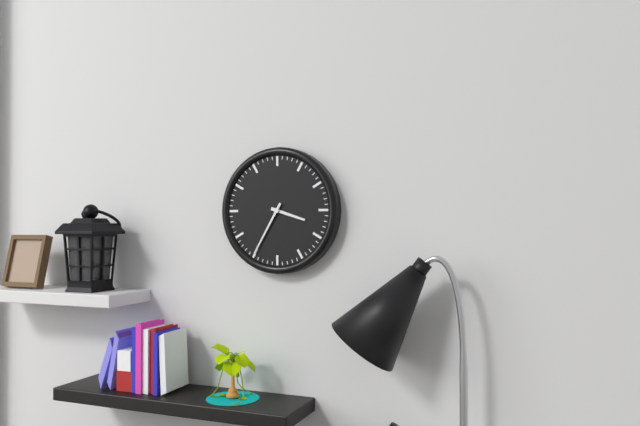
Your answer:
3:35
